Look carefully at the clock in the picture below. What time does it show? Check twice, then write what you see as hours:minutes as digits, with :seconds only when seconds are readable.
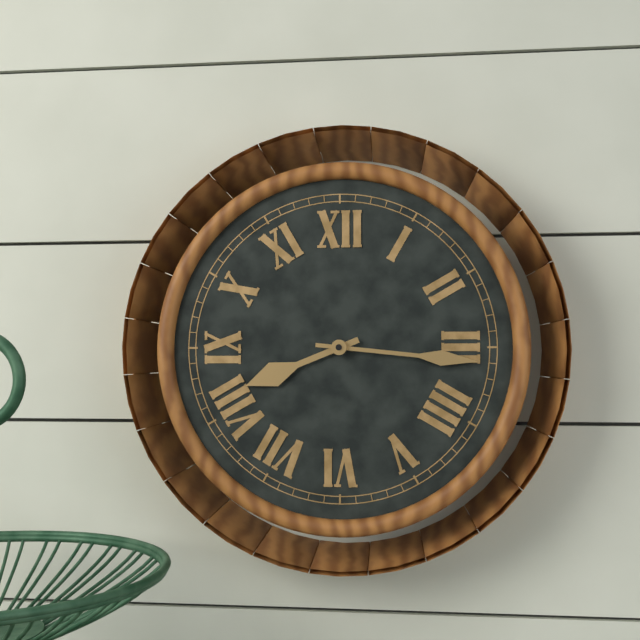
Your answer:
8:16
